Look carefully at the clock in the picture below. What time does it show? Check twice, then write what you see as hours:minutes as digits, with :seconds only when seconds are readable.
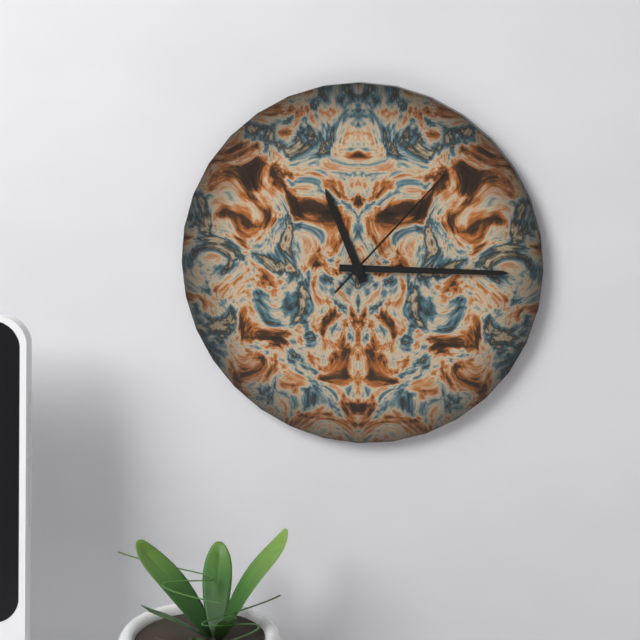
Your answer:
11:15:07
